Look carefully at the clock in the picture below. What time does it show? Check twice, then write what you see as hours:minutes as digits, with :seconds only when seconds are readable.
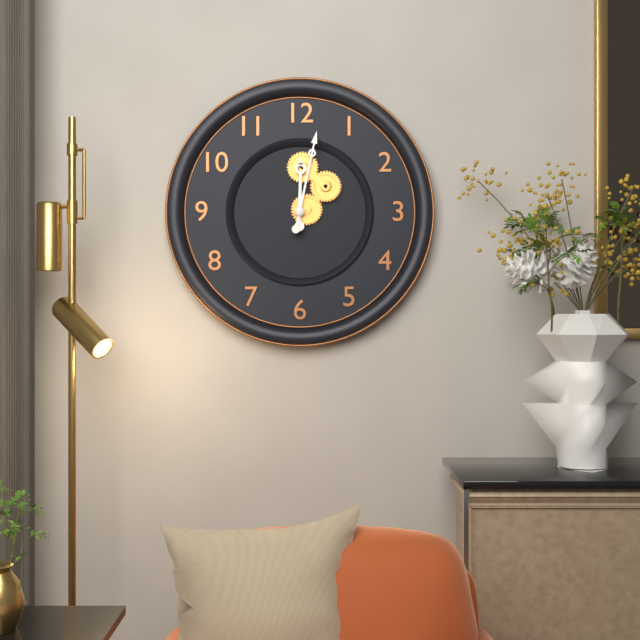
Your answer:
12:02
